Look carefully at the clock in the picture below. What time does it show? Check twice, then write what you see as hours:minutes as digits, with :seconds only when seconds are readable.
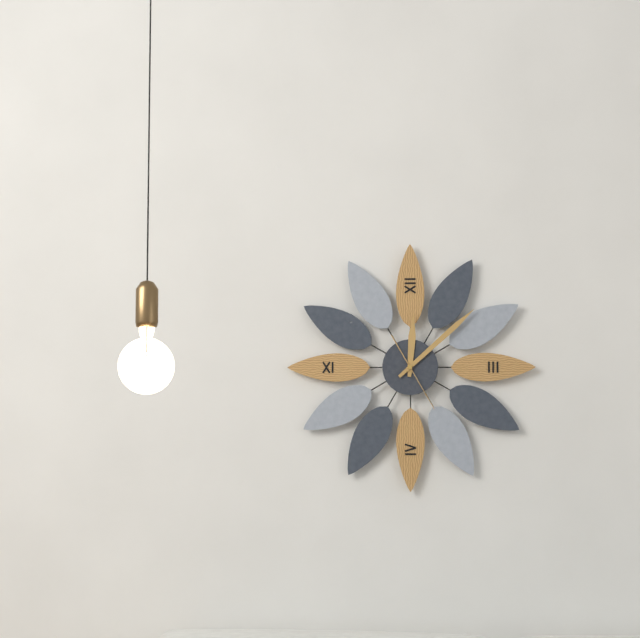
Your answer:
12:08:25
